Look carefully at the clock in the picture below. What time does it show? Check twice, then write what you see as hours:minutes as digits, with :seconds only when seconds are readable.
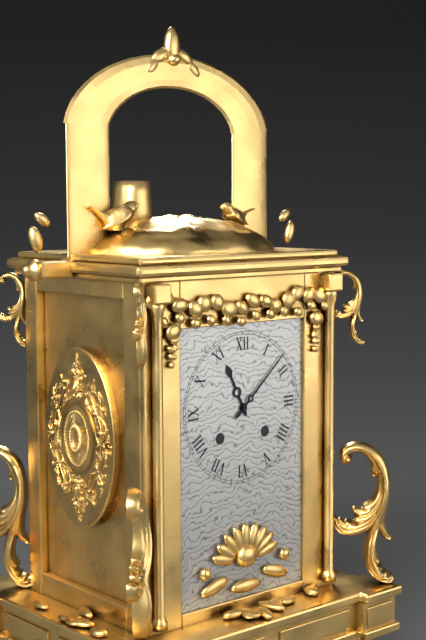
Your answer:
11:08
